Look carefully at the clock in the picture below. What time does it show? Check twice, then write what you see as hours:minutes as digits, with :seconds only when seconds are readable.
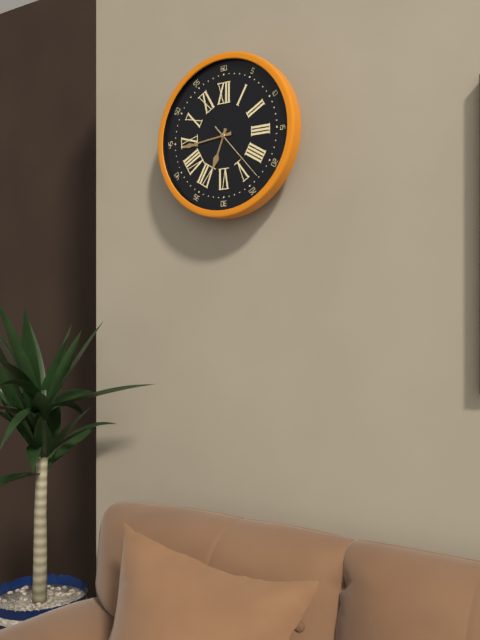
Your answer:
6:44
